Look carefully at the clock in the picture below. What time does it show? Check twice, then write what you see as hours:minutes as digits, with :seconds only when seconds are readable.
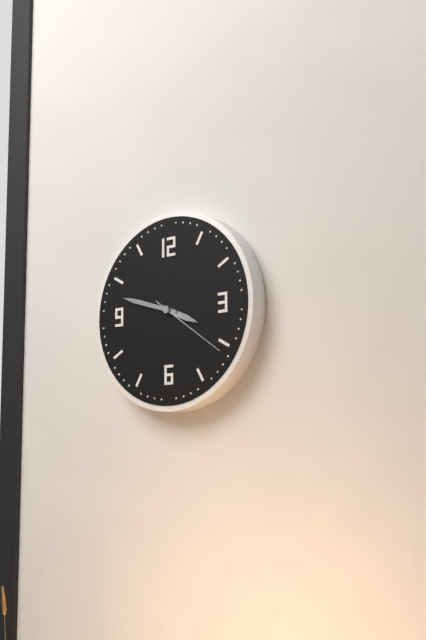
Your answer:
3:48:21
